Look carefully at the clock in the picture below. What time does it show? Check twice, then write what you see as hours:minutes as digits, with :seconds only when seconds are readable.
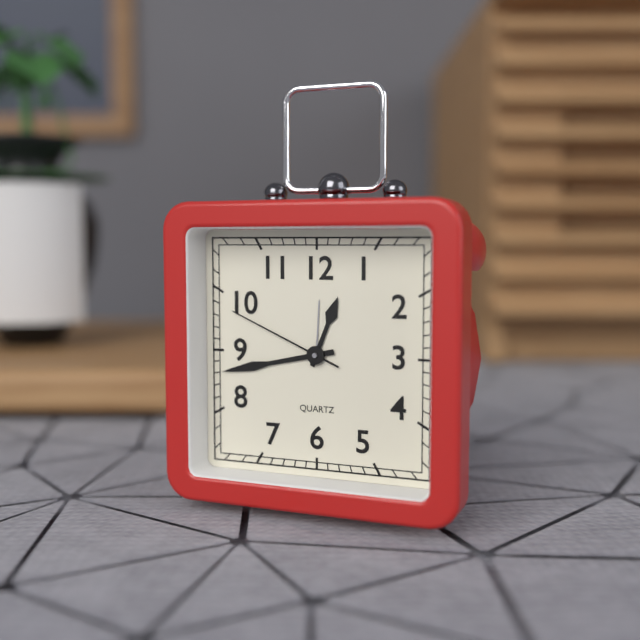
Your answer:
12:43:49
